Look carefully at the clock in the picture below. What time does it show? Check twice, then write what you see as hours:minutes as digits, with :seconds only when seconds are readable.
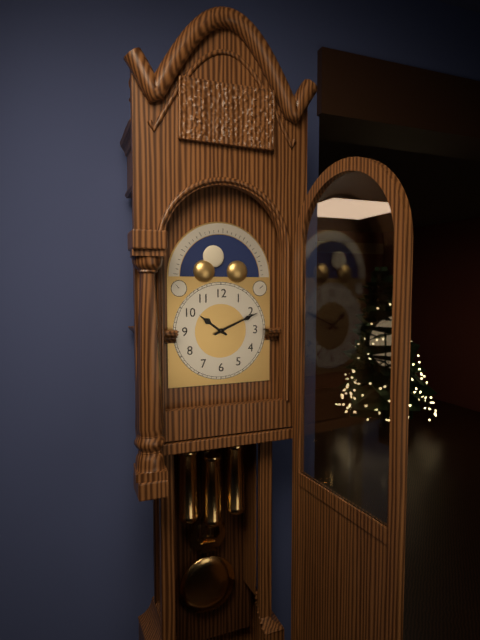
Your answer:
10:11
